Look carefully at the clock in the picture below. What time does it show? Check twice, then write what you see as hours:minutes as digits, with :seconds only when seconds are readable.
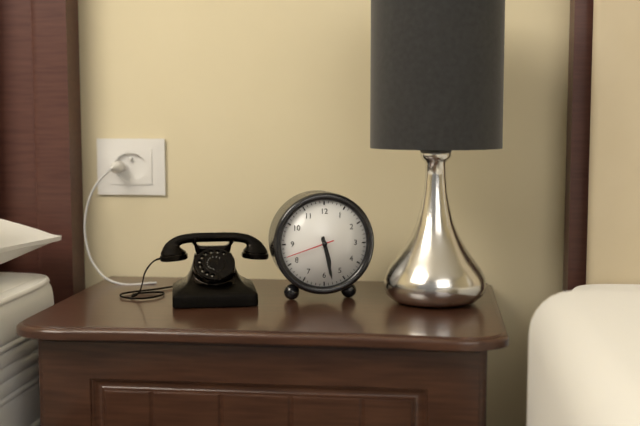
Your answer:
5:28:42
